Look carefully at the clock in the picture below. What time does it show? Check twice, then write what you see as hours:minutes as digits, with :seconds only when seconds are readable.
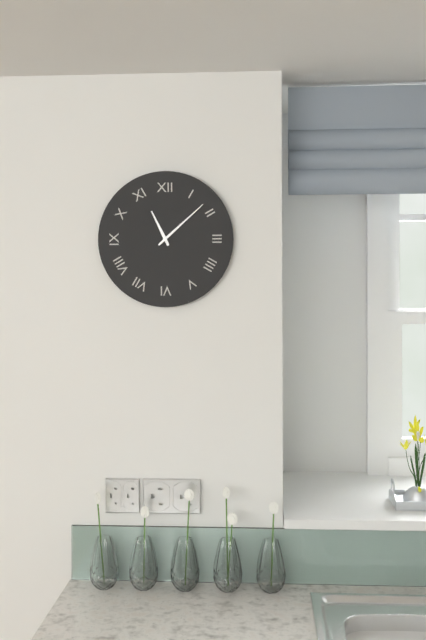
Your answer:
11:08
